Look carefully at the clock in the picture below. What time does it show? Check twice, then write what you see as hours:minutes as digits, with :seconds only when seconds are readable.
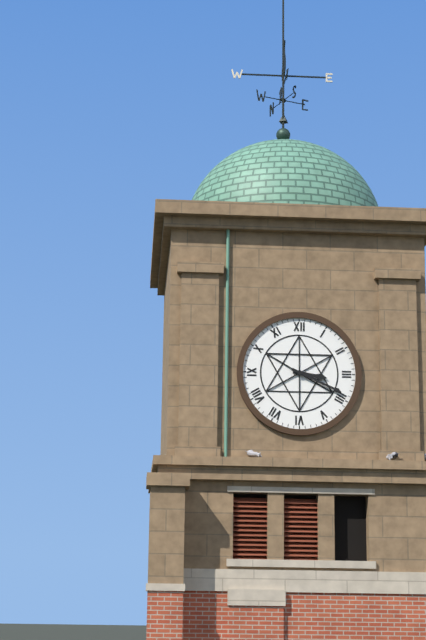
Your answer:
3:19
